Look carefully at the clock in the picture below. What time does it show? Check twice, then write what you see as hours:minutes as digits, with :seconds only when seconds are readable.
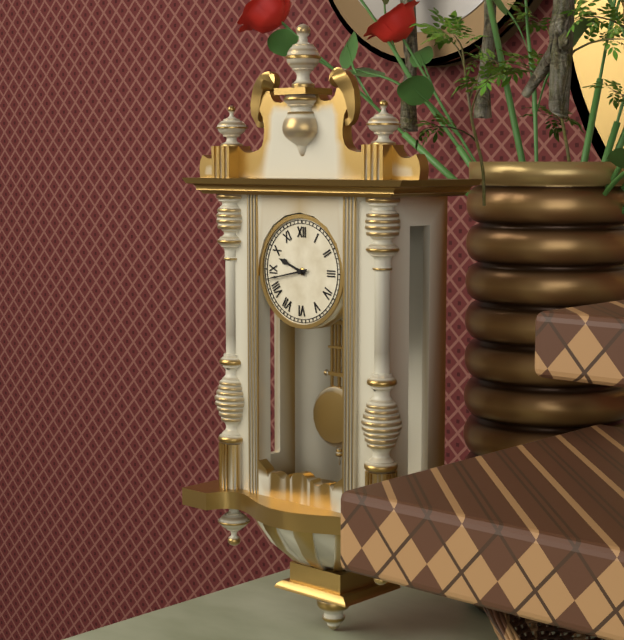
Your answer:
9:43
